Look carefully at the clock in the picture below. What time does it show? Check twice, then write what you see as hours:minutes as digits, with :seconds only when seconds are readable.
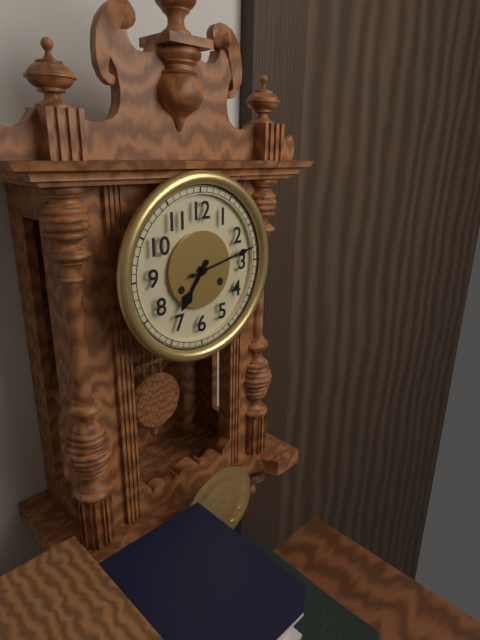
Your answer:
7:13
